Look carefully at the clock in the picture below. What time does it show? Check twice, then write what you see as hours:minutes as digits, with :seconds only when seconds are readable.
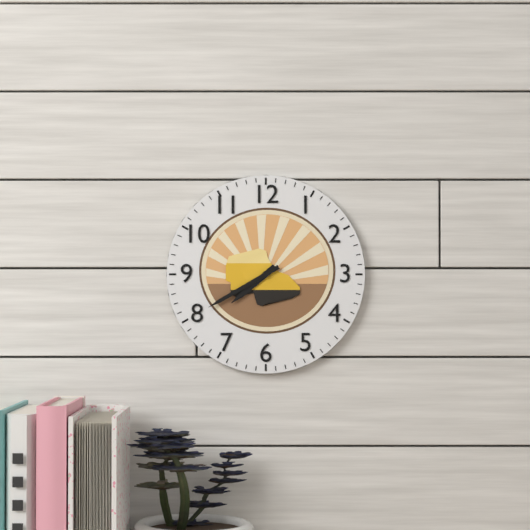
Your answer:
7:40
